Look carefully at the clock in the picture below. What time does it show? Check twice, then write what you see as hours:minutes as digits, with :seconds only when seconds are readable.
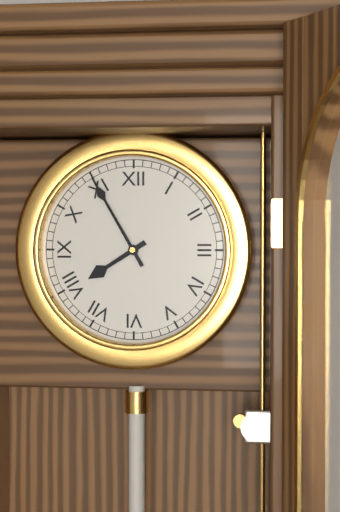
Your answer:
7:55
